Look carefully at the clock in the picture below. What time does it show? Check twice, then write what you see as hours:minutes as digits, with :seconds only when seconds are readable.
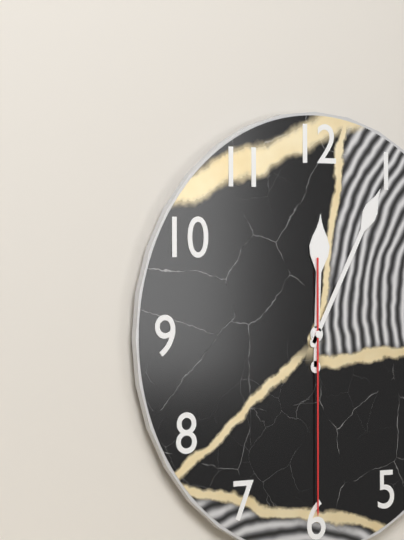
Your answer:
12:05:30
